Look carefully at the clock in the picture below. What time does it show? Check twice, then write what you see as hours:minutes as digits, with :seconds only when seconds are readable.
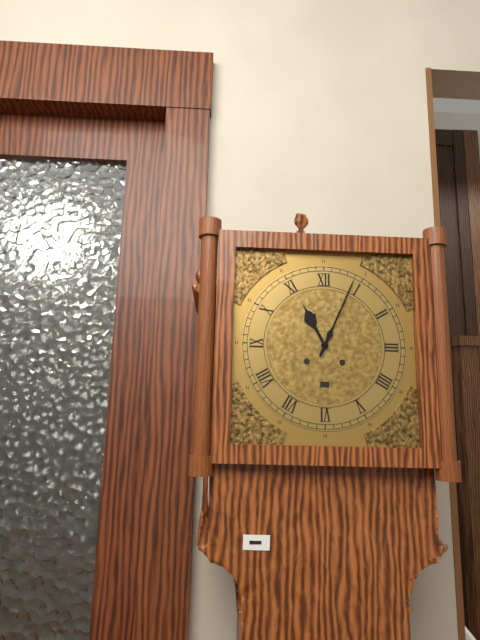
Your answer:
11:04
